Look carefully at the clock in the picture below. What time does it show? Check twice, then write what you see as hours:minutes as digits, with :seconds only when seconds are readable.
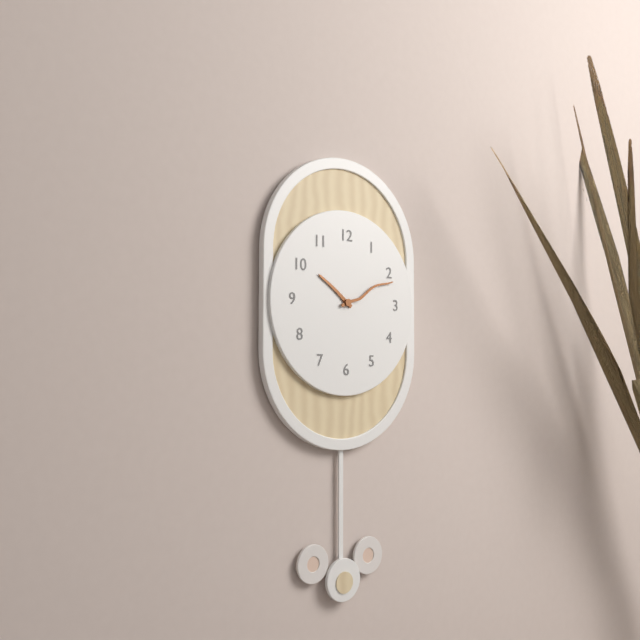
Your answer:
10:11
